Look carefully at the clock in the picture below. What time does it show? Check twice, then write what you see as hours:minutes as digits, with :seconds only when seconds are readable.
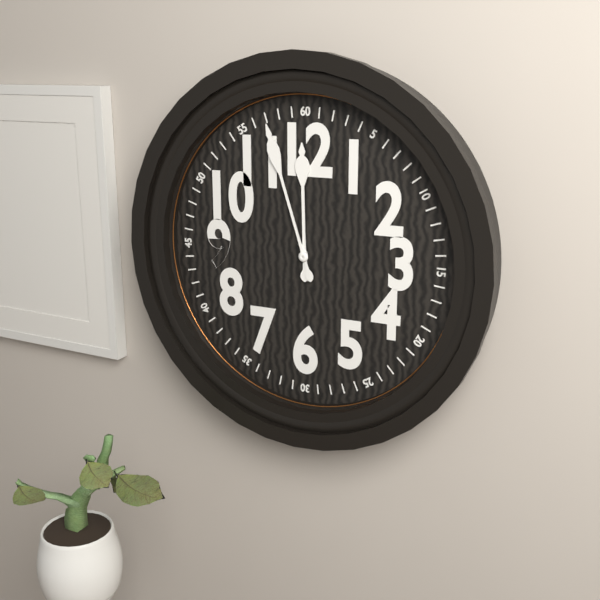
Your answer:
11:57
